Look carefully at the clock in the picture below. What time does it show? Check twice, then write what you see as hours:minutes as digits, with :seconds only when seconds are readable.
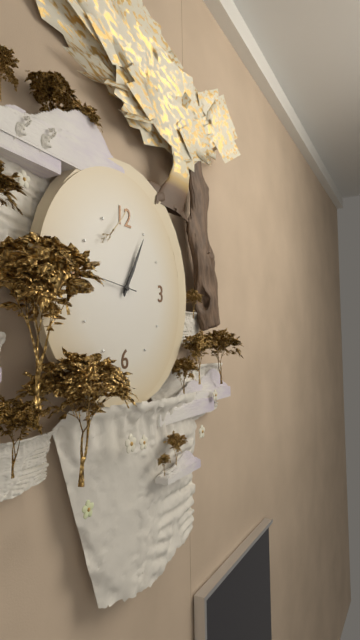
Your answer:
1:05
